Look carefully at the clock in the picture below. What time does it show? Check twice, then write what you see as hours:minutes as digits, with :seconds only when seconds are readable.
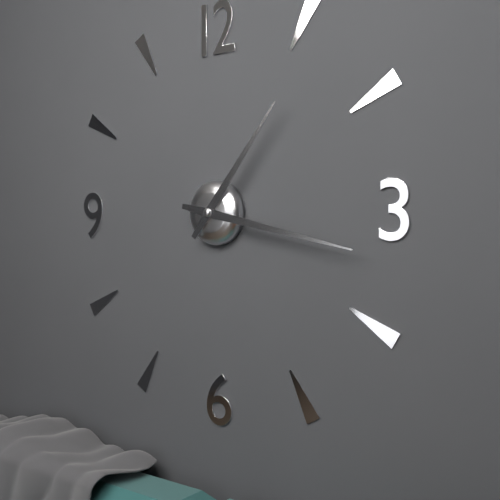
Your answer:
1:17
